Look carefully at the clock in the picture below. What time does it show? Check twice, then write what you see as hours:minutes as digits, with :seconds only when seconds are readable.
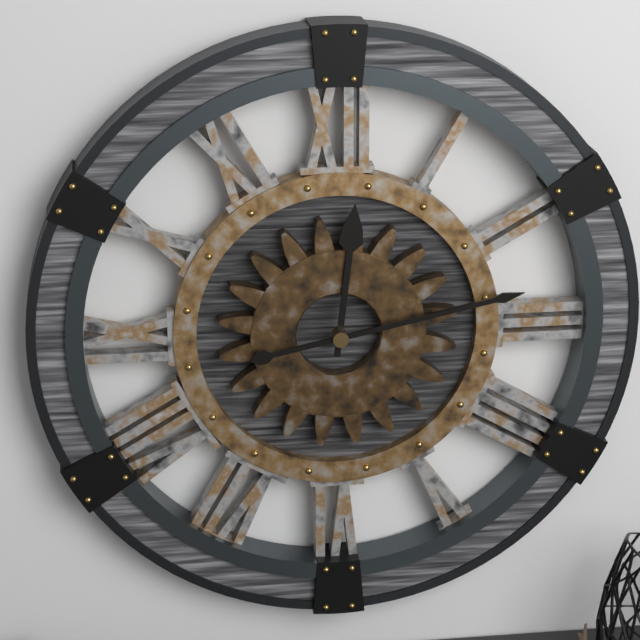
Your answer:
12:13
